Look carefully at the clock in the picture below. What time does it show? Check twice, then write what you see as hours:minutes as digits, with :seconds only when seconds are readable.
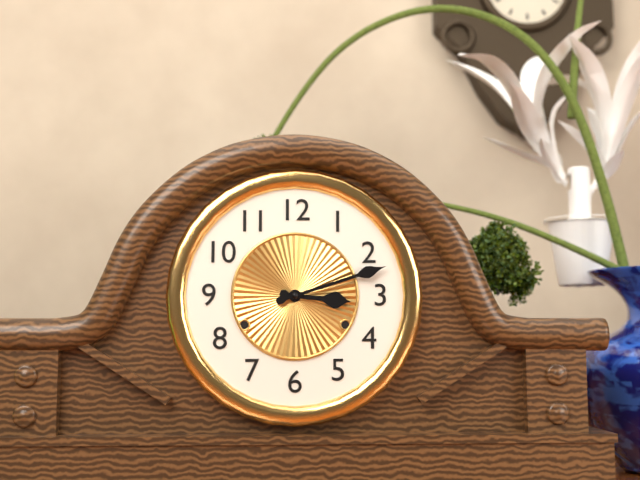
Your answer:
3:12
